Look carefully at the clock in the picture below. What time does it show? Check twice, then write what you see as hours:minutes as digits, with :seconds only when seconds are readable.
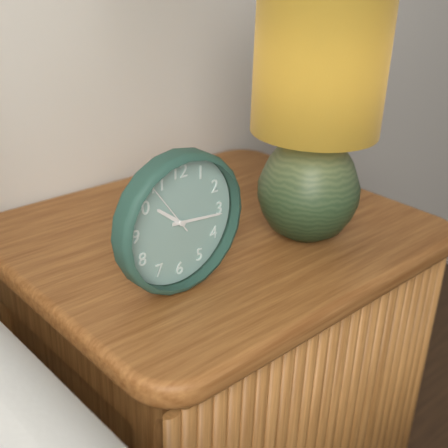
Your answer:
10:16:54
